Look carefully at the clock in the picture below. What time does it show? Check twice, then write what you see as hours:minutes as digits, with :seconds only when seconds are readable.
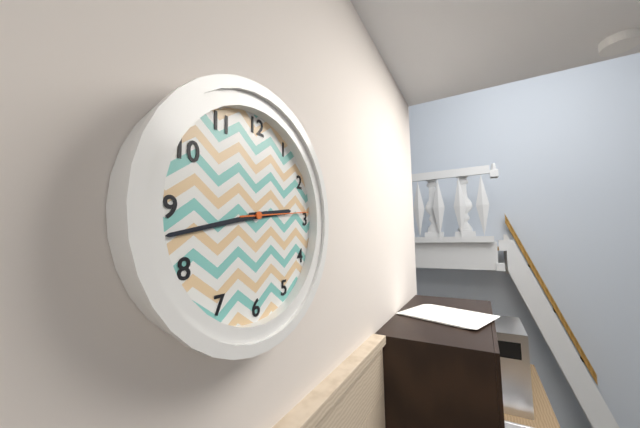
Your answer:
2:43:14
